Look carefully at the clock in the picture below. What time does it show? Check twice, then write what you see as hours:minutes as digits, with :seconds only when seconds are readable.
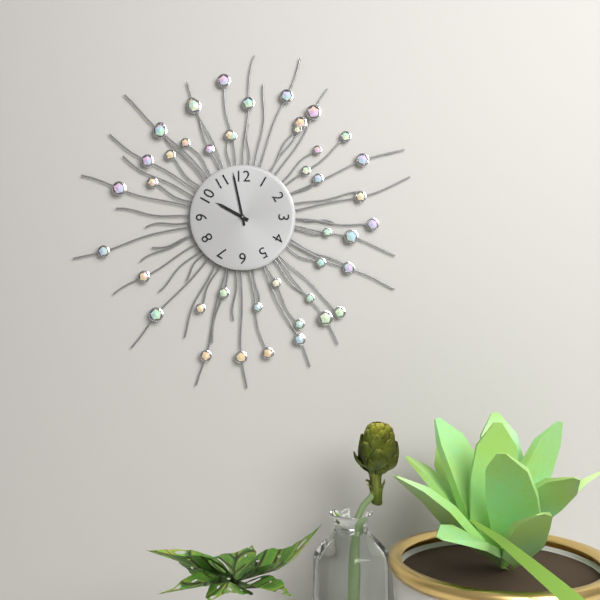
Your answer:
9:58
